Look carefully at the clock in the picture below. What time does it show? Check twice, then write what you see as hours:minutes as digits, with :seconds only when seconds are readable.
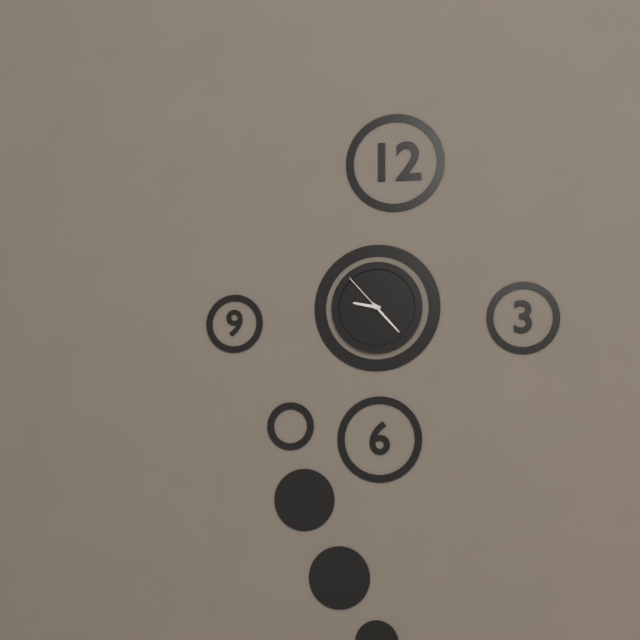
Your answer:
9:23
